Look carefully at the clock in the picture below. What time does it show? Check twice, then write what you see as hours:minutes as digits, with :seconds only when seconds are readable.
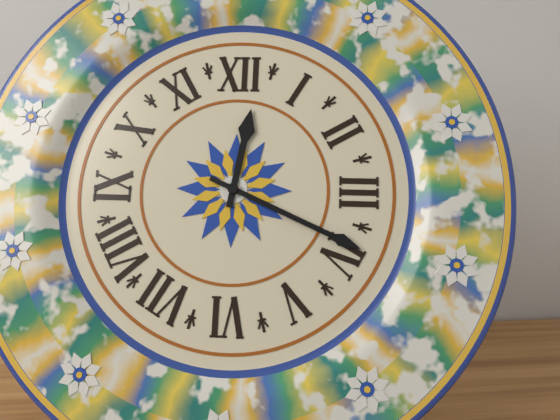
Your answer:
12:19
